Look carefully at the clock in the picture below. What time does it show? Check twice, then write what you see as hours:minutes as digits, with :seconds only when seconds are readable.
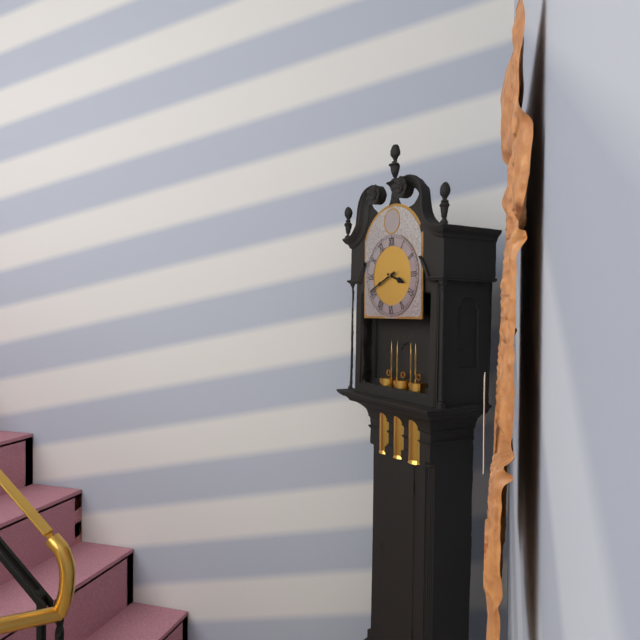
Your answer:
3:41
